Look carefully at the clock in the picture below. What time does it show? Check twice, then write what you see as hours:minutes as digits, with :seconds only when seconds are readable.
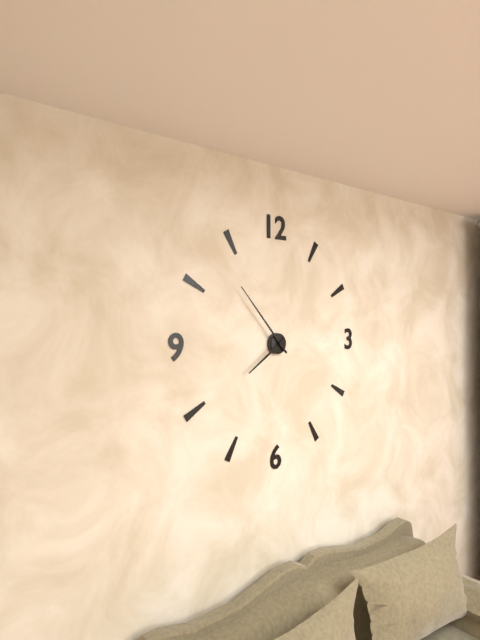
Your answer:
7:53
